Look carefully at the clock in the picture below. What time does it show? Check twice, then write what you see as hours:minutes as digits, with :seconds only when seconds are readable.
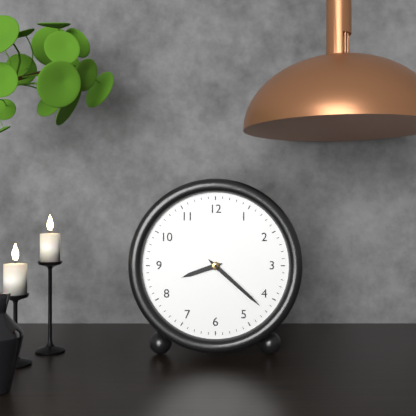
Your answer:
8:22
